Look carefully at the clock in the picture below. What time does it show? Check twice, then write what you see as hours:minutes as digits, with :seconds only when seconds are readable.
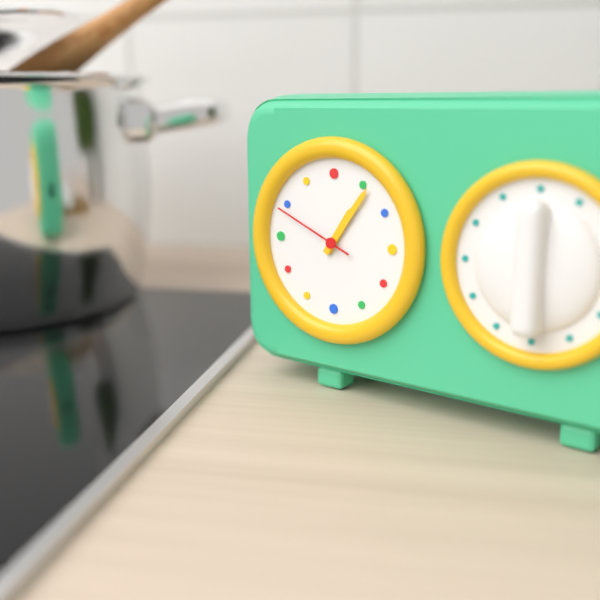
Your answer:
1:06:49
